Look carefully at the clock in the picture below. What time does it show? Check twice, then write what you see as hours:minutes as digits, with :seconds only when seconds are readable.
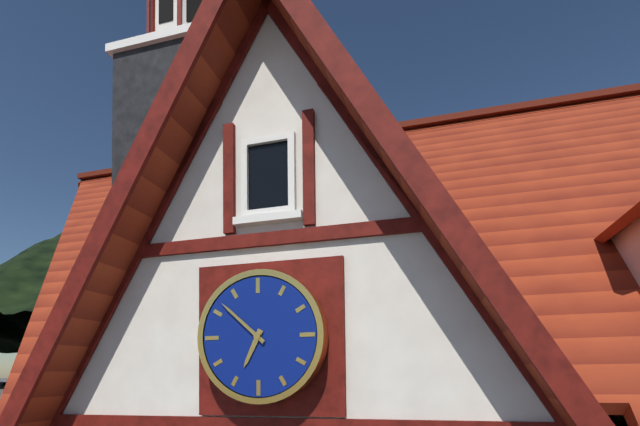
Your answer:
6:52
